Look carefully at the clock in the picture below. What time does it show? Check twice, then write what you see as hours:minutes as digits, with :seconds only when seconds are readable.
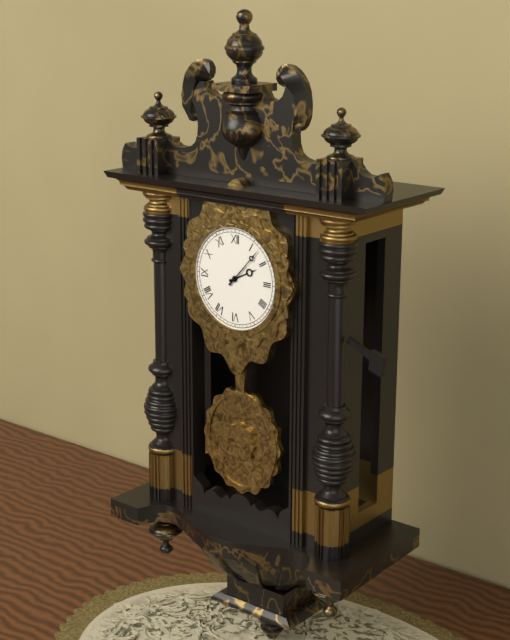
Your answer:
2:07
